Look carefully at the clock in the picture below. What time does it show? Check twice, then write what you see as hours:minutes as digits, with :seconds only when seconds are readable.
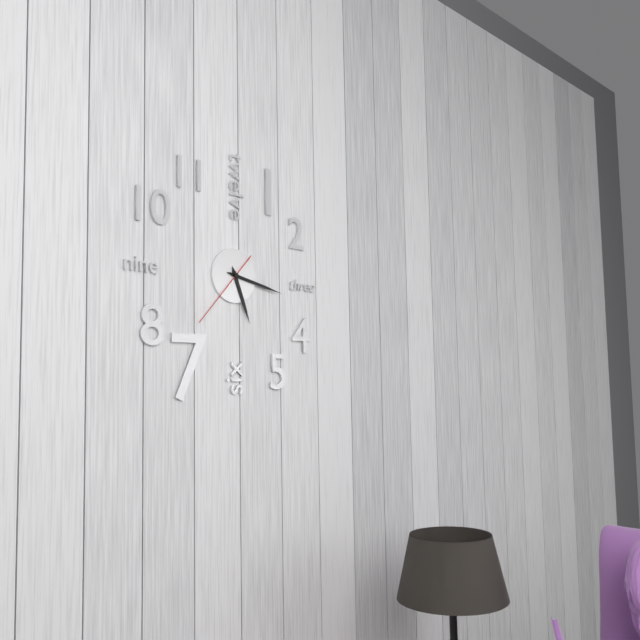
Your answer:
5:17:37
